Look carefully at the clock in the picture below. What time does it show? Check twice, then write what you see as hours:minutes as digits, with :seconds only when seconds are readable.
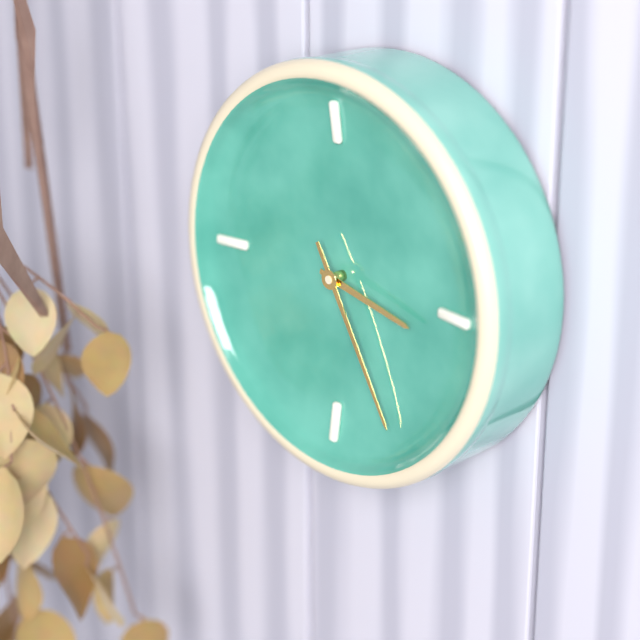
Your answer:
3:25
